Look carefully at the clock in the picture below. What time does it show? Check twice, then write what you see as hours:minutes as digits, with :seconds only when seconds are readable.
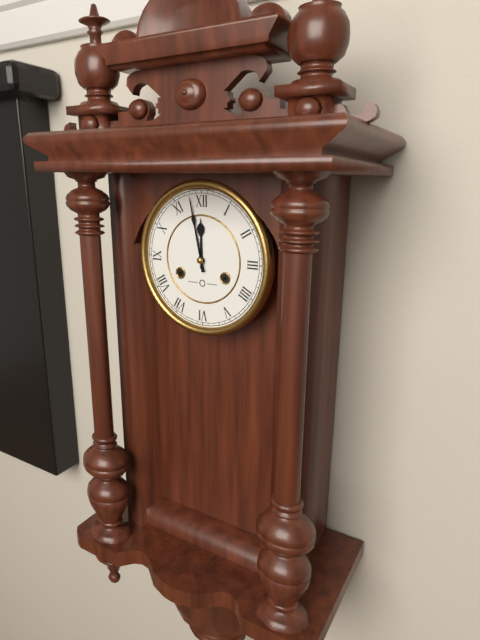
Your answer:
11:58
